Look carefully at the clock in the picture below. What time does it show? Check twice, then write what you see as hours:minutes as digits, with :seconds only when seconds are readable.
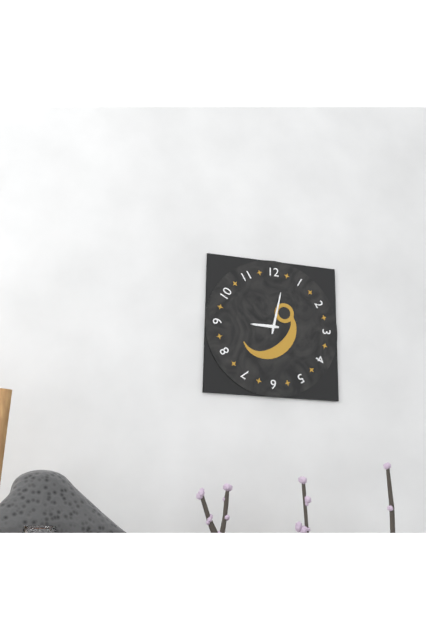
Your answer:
9:02
